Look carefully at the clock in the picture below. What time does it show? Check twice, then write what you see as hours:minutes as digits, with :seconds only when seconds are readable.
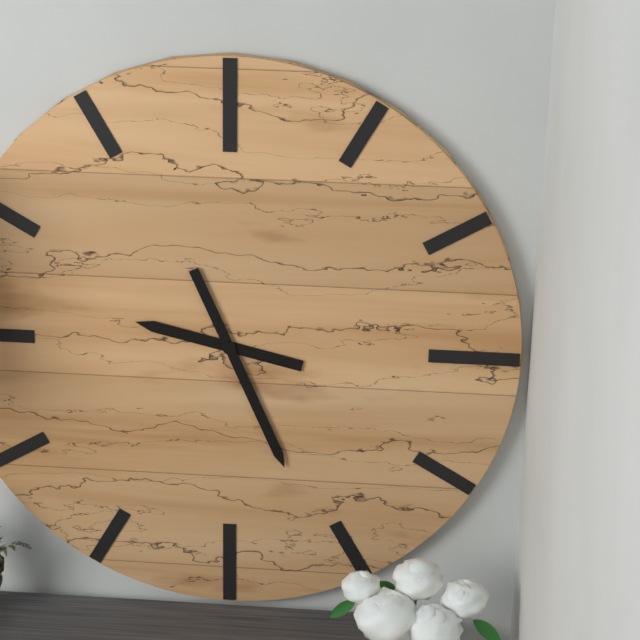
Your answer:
9:26
